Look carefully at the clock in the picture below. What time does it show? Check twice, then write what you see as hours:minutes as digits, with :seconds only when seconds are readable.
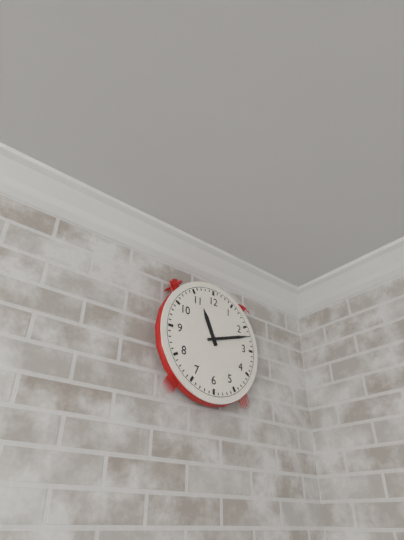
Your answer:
11:12
